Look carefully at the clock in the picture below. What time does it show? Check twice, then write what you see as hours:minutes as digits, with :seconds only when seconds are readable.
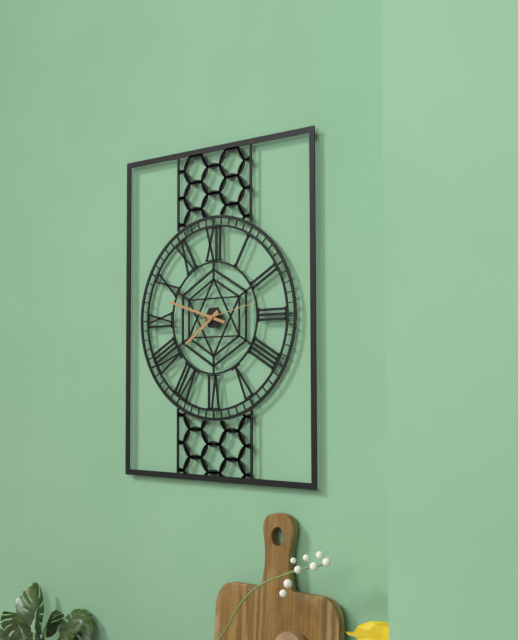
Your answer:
7:48:13
